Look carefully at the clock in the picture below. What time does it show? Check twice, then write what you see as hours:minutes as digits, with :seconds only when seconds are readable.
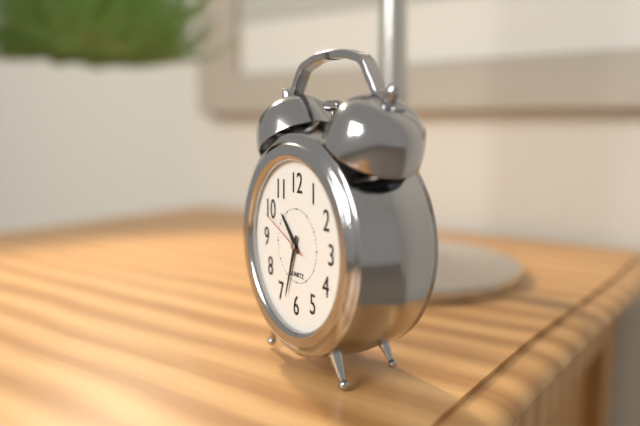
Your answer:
10:33:49
